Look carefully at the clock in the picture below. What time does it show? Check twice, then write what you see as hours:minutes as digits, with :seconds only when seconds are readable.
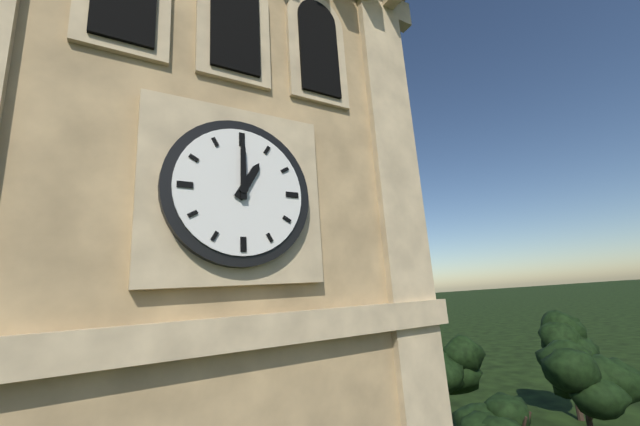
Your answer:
1:00
